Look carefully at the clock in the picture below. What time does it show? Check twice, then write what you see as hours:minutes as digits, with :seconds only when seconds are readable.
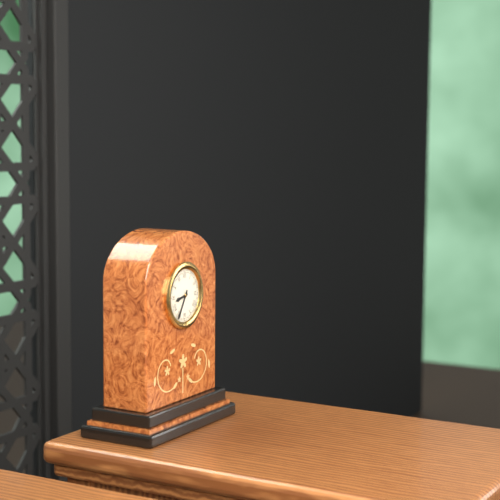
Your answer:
8:35
